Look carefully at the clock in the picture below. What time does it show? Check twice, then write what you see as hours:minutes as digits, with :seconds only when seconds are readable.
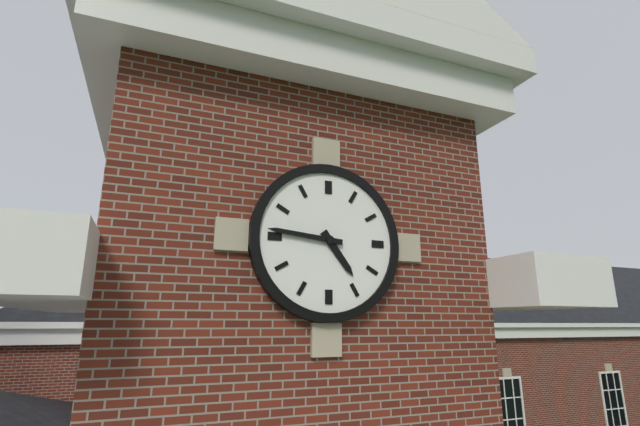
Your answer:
4:46
